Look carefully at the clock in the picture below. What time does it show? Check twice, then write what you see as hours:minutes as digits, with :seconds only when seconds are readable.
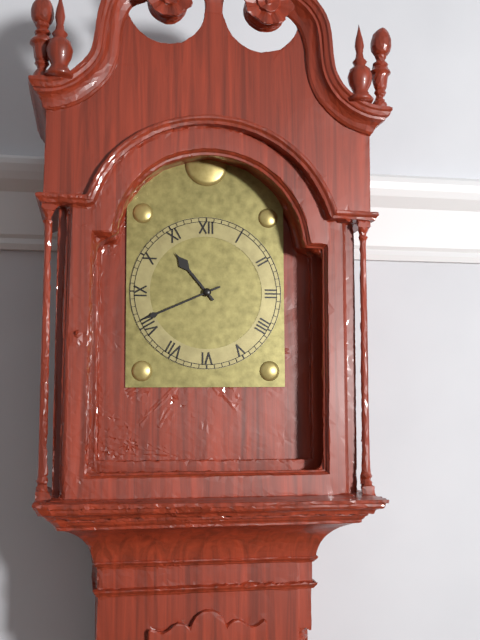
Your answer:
10:41
